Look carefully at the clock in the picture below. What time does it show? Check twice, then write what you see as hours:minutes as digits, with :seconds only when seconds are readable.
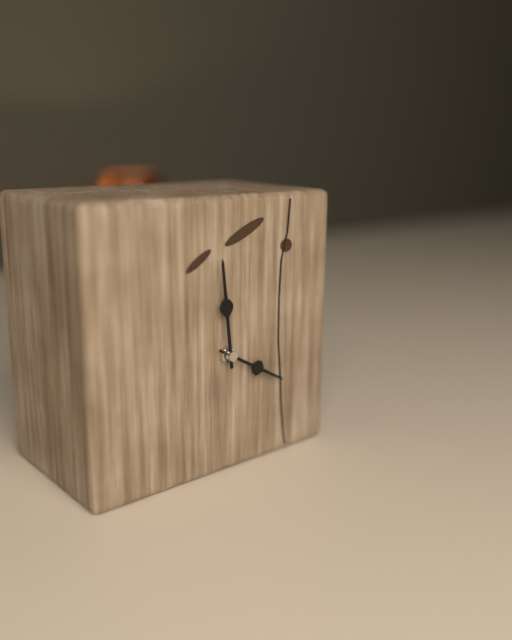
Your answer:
3:59
